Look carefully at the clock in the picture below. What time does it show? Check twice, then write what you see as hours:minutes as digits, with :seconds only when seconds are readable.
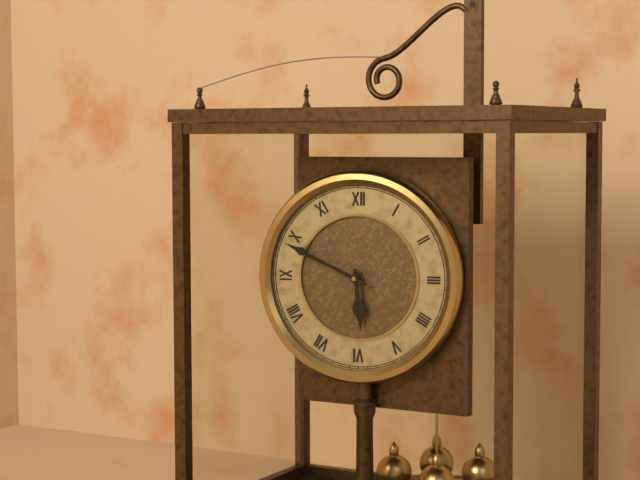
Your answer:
5:49
